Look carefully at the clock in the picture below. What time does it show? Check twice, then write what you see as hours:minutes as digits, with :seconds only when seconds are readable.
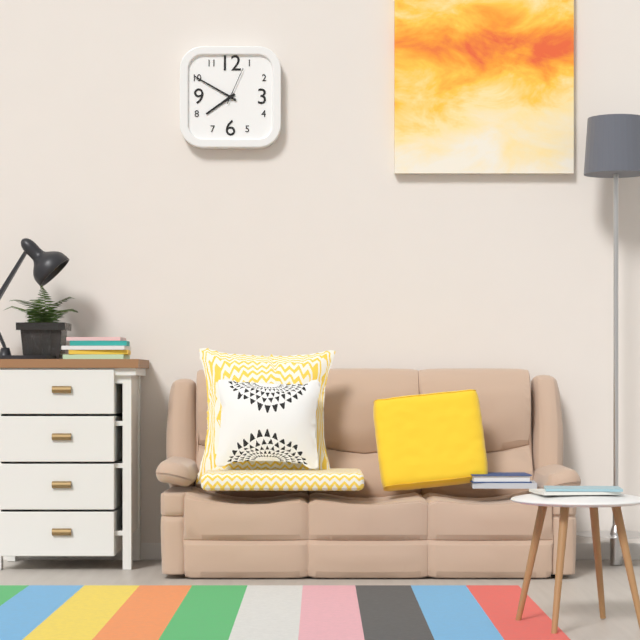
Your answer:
7:50
